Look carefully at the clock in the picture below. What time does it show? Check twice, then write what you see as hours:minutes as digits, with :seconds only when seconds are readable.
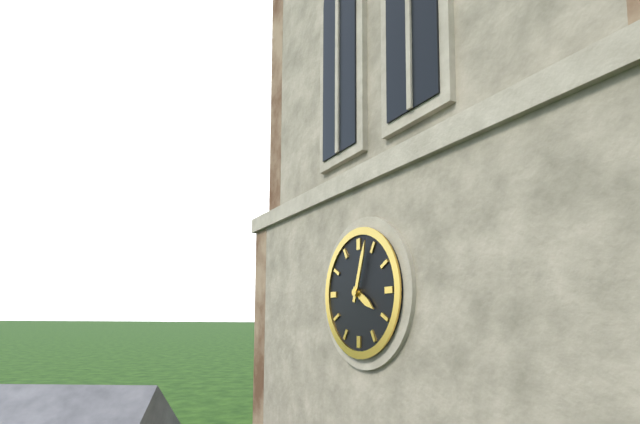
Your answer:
4:03
